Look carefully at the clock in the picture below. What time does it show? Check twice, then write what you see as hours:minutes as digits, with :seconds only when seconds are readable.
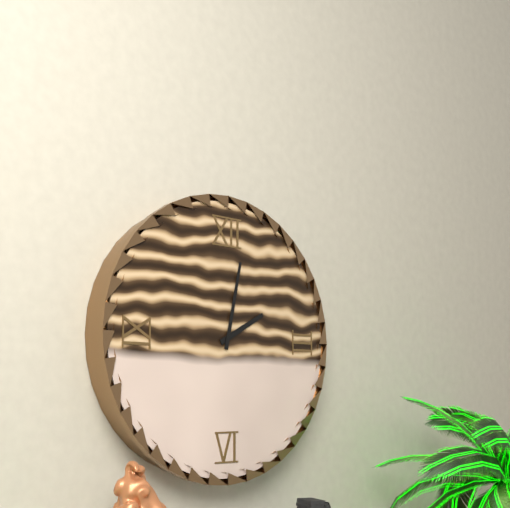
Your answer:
2:02
